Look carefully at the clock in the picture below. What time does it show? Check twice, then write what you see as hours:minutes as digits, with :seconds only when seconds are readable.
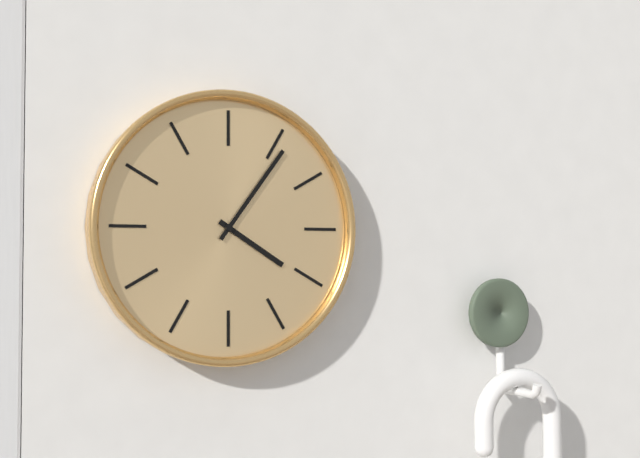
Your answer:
4:06
